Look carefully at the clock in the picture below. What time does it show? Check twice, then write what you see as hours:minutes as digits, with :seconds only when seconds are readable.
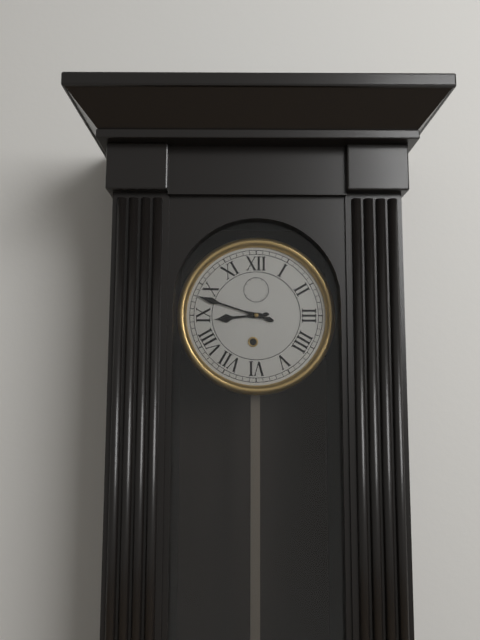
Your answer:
8:48
